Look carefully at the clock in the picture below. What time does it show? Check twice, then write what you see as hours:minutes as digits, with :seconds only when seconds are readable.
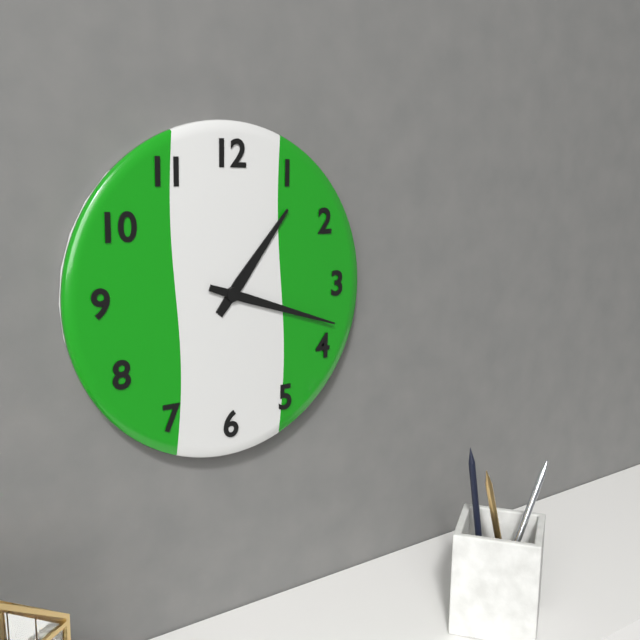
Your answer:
1:18
